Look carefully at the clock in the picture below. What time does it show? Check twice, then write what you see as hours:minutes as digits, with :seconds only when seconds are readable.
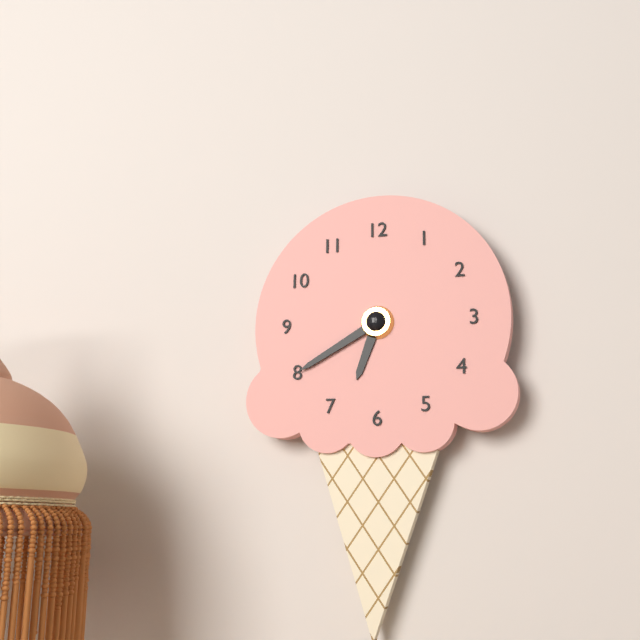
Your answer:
6:40
